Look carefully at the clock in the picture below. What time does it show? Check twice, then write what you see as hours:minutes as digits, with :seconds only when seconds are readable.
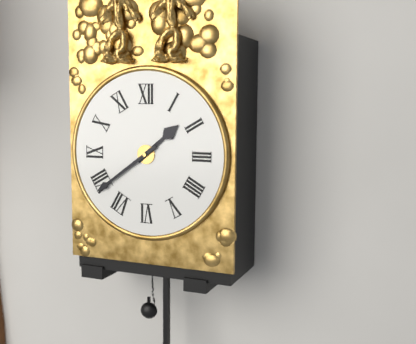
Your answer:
1:39
